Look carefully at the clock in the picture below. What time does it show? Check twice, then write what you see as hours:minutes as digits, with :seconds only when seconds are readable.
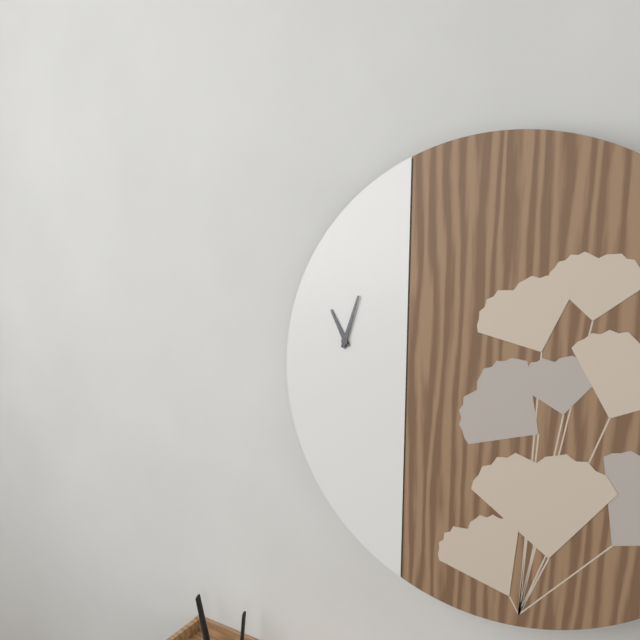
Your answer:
11:03
